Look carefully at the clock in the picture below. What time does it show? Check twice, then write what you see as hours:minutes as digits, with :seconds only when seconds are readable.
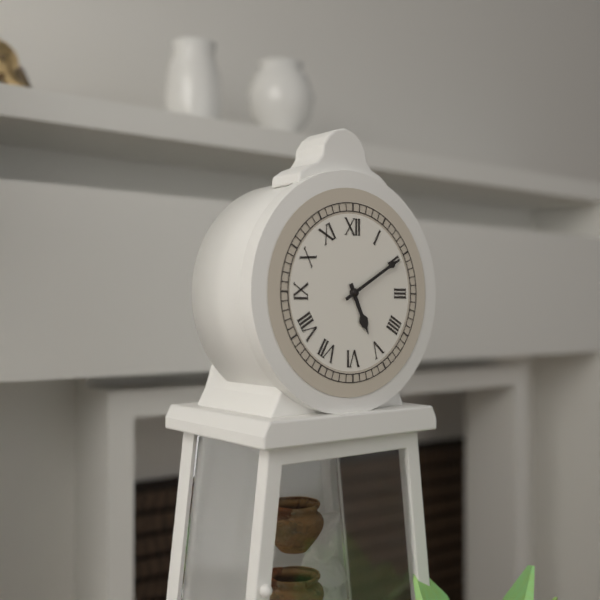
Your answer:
5:10
